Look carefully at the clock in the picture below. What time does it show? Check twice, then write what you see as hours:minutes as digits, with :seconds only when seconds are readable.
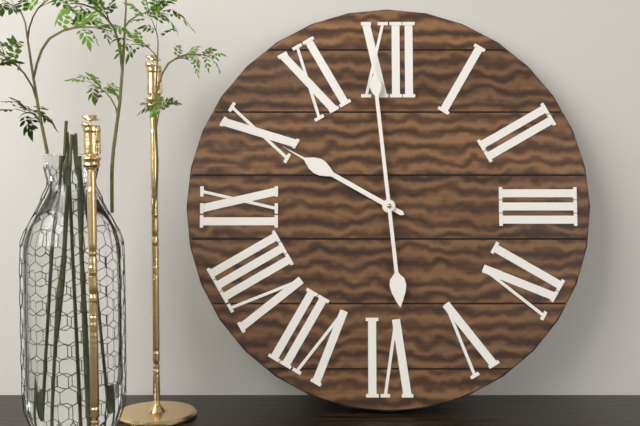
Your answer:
9:59
